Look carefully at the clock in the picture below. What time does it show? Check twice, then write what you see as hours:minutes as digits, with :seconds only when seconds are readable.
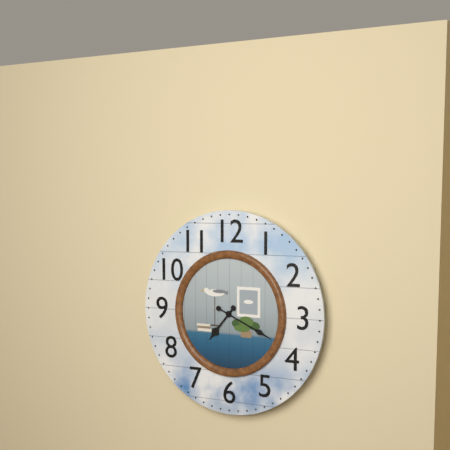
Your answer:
7:19
